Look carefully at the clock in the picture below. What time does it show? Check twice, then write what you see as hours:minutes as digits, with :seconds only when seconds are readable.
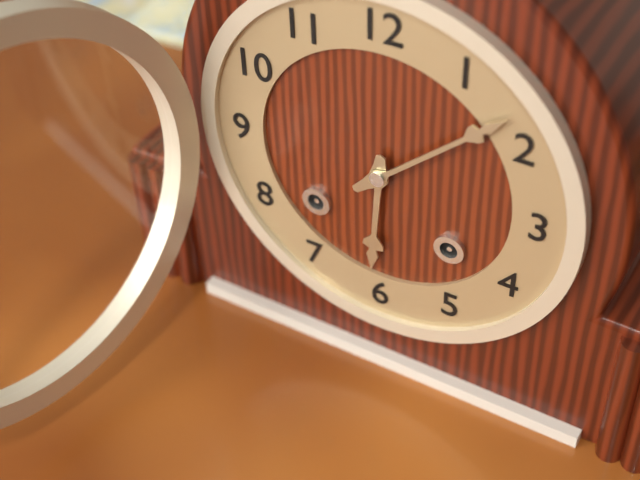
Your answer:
6:08
